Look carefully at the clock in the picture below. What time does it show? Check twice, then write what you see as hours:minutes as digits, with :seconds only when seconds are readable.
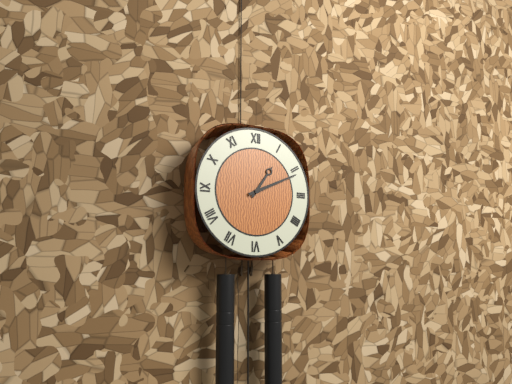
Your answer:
1:11
